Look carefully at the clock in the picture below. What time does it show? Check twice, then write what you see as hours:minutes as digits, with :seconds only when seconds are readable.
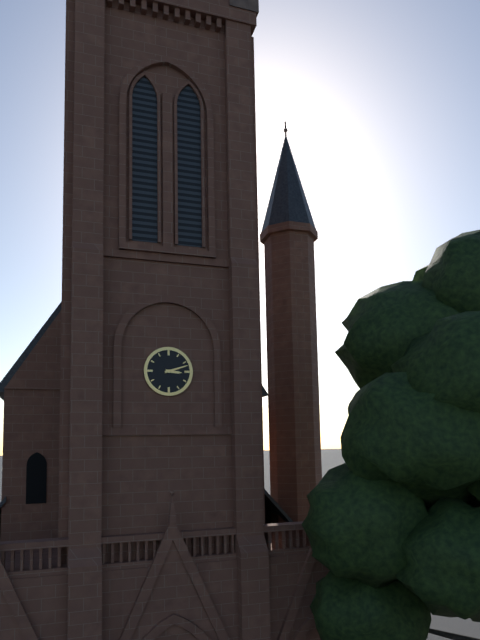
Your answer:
3:12
